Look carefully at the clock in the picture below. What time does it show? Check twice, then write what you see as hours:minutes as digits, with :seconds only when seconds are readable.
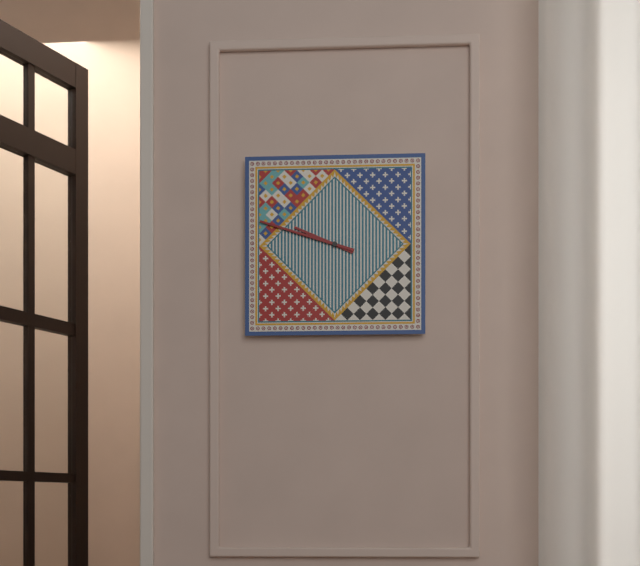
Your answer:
9:48
